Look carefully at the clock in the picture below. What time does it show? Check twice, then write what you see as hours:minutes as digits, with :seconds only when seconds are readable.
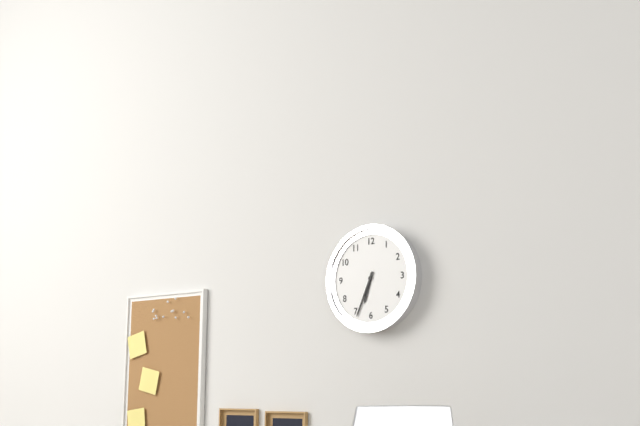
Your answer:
6:34
